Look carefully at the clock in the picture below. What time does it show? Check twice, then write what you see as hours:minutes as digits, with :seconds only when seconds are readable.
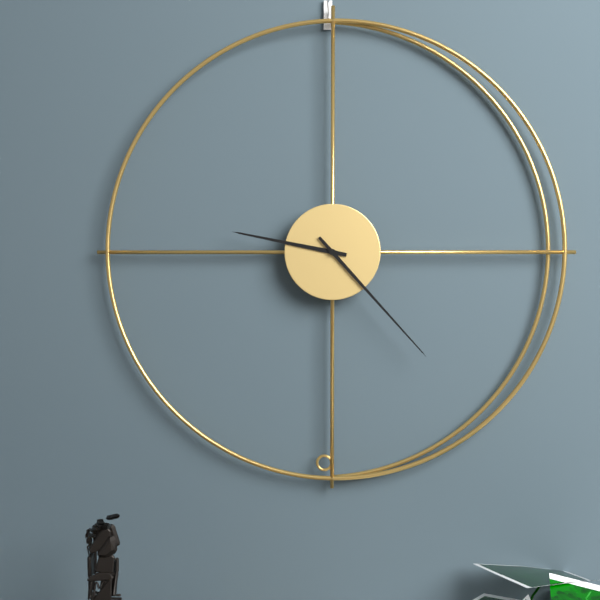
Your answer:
9:23
